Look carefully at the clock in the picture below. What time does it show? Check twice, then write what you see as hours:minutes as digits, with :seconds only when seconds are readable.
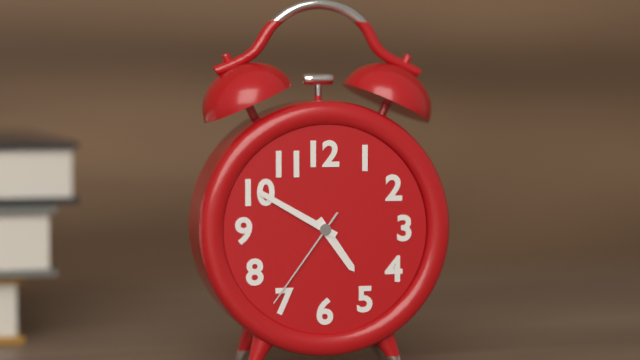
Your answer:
4:50:36
